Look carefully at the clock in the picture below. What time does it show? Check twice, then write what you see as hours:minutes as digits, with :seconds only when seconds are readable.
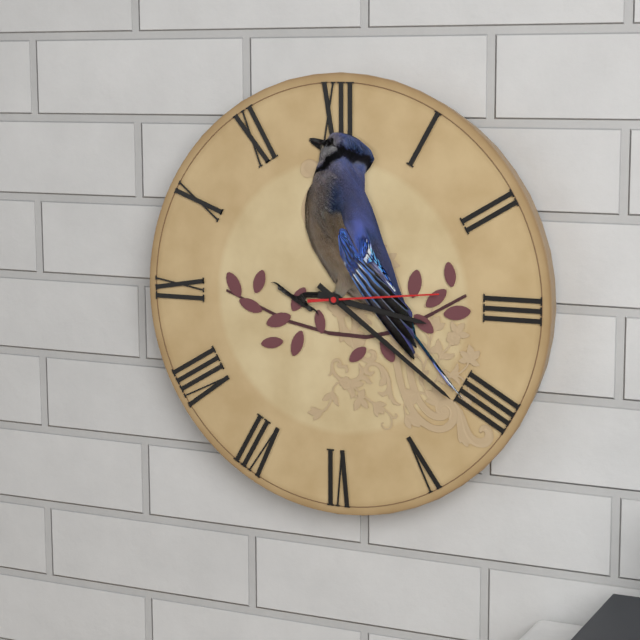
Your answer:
3:21:14
